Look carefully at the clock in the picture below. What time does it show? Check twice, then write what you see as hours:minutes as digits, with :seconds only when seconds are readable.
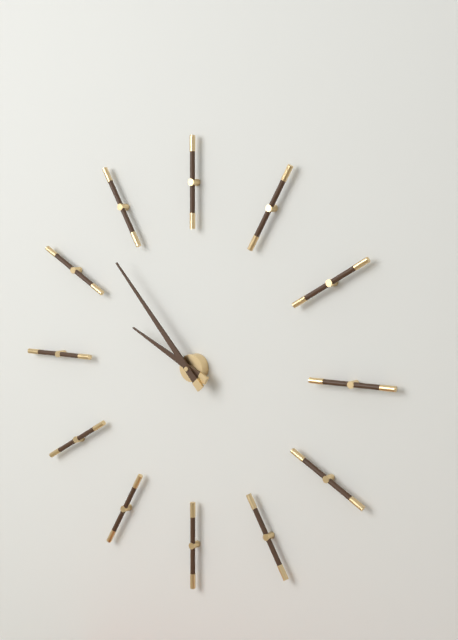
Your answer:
9:53
